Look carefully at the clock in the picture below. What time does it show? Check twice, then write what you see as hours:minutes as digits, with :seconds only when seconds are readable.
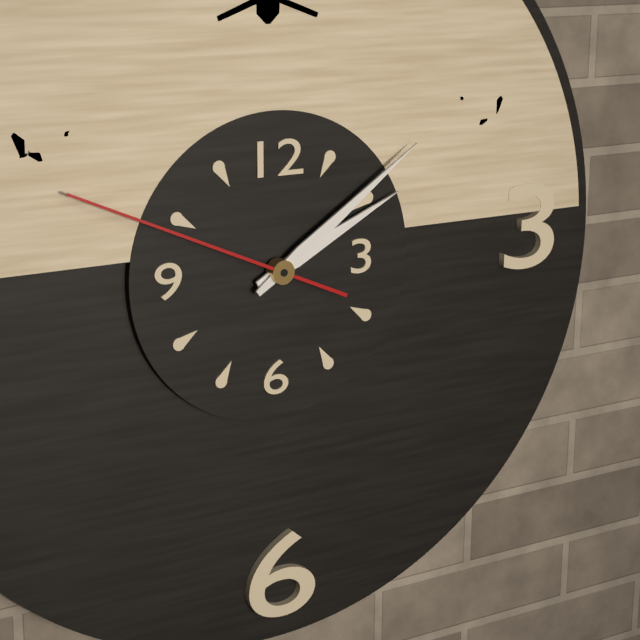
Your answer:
2:09:49
